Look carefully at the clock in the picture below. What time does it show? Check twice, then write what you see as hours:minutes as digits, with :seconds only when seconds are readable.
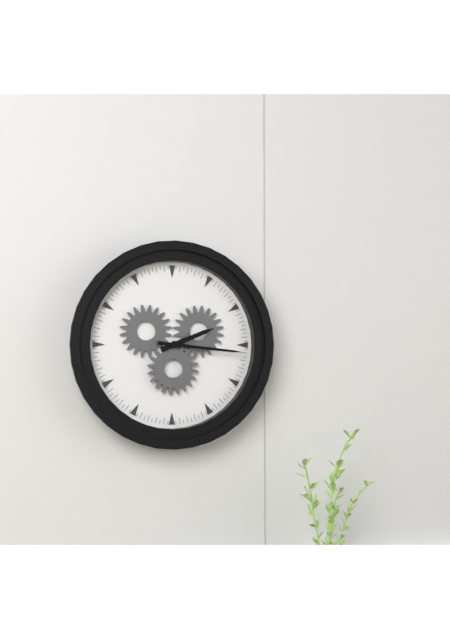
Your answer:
2:16
